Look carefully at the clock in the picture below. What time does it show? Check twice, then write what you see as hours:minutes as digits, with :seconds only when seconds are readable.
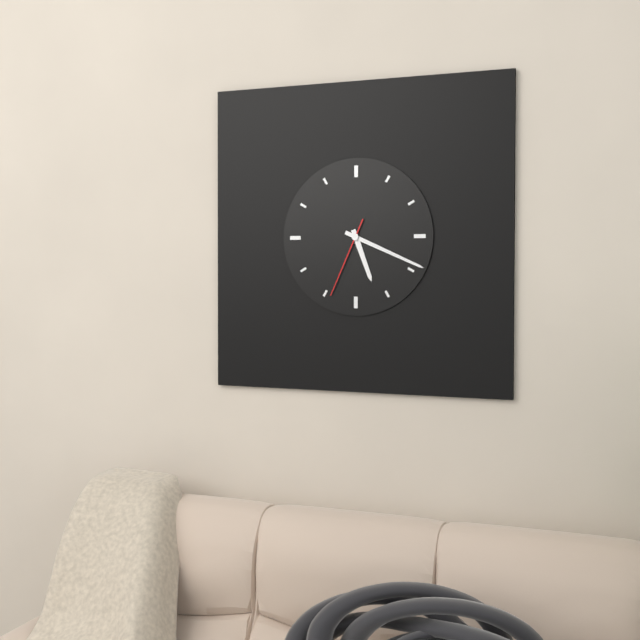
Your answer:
5:19:34
